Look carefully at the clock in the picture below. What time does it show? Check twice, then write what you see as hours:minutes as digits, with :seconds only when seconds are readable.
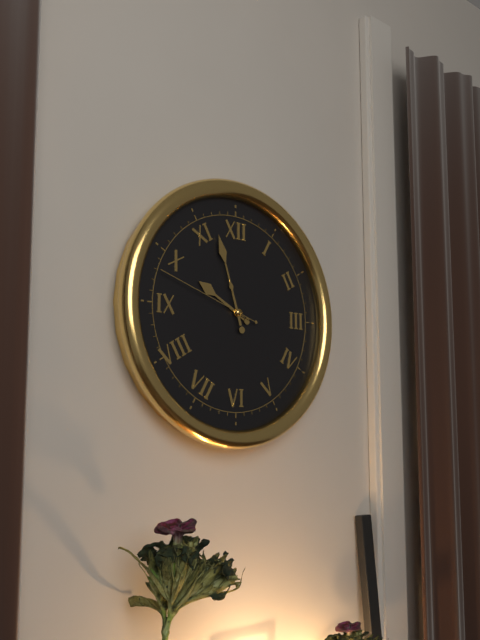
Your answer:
9:57:48
